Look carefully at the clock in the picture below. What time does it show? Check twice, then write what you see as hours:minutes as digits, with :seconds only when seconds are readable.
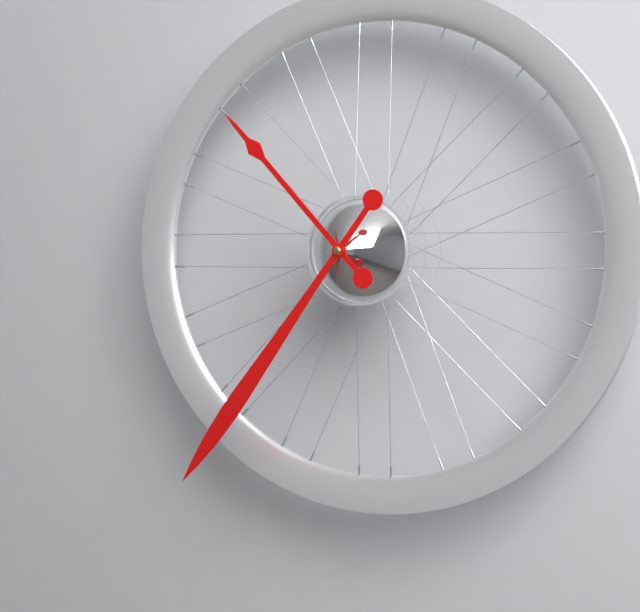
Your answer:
10:36
